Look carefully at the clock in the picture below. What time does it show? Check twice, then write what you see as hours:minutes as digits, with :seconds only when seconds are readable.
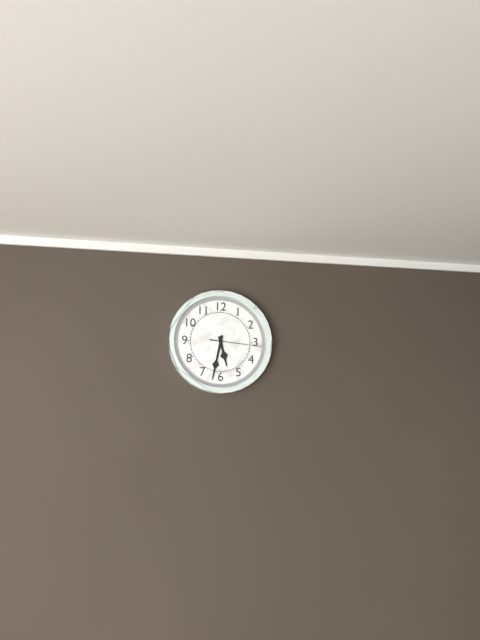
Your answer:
5:32:16
